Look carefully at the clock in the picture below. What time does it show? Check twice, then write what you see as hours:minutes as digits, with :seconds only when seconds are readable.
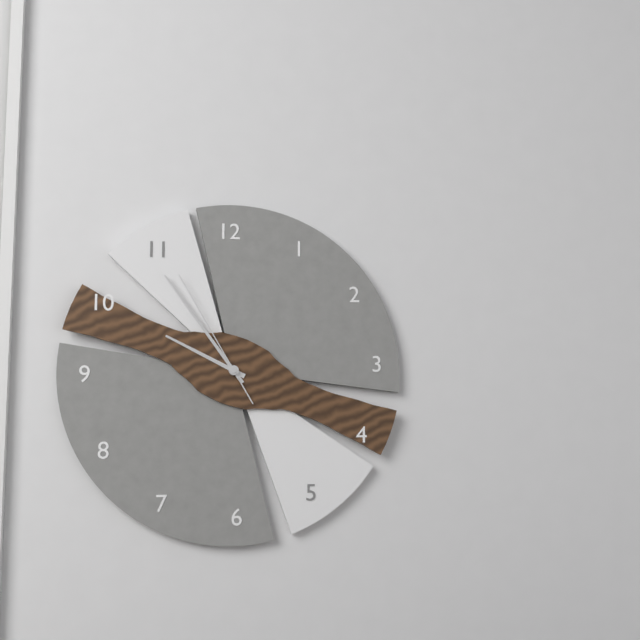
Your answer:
9:54:55
